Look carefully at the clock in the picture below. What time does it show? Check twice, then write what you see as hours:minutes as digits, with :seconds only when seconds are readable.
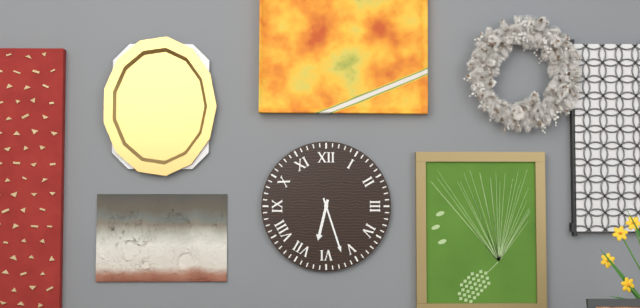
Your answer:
6:27
